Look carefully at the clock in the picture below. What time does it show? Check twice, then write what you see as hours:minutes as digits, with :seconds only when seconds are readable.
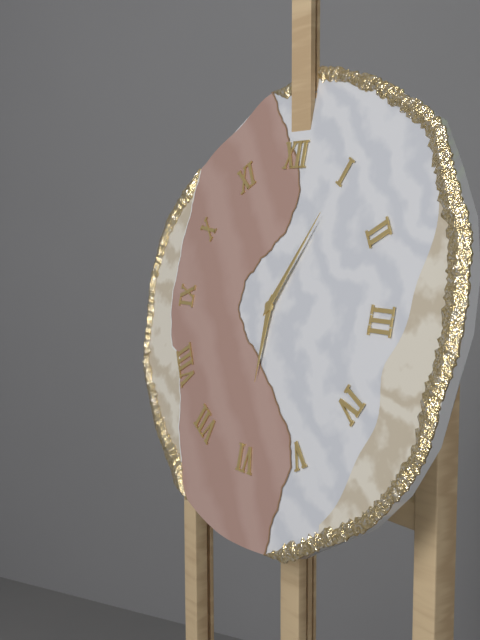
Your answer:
6:05
